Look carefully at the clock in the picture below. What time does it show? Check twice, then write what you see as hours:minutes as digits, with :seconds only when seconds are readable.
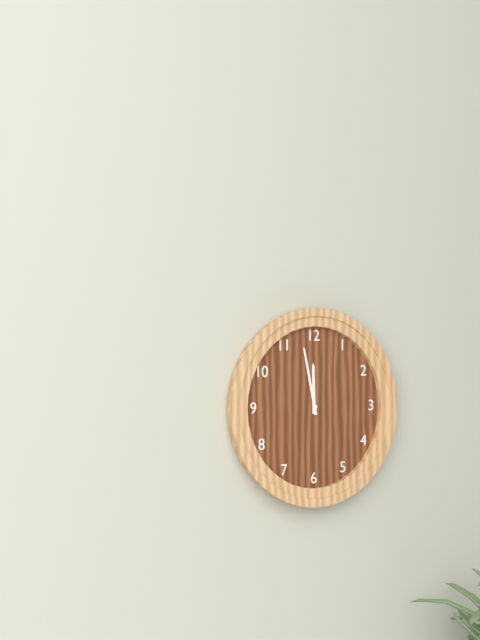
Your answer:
11:58
